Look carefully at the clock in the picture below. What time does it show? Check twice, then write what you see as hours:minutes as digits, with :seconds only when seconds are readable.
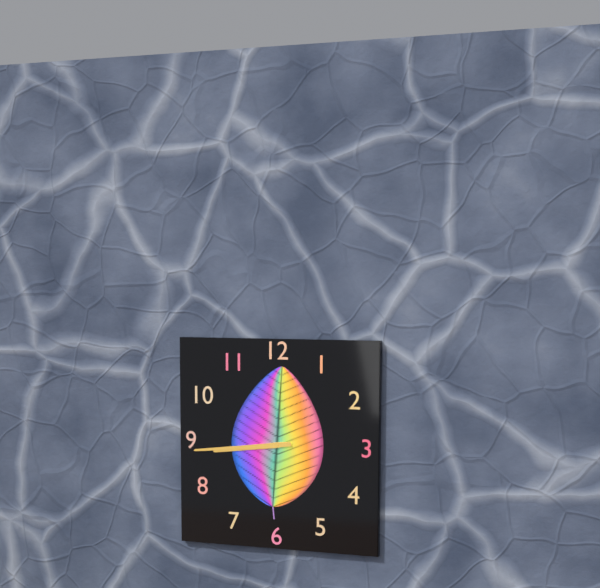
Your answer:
8:44
